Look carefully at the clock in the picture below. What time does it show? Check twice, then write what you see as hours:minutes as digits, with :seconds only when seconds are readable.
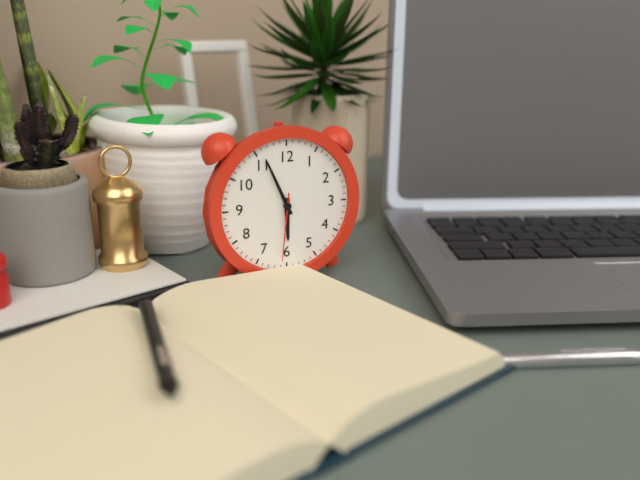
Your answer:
5:56:31
